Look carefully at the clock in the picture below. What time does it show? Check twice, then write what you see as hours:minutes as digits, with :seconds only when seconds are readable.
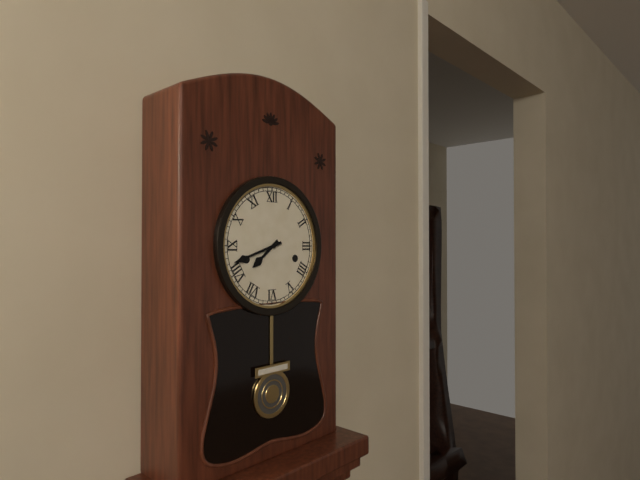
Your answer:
7:42
